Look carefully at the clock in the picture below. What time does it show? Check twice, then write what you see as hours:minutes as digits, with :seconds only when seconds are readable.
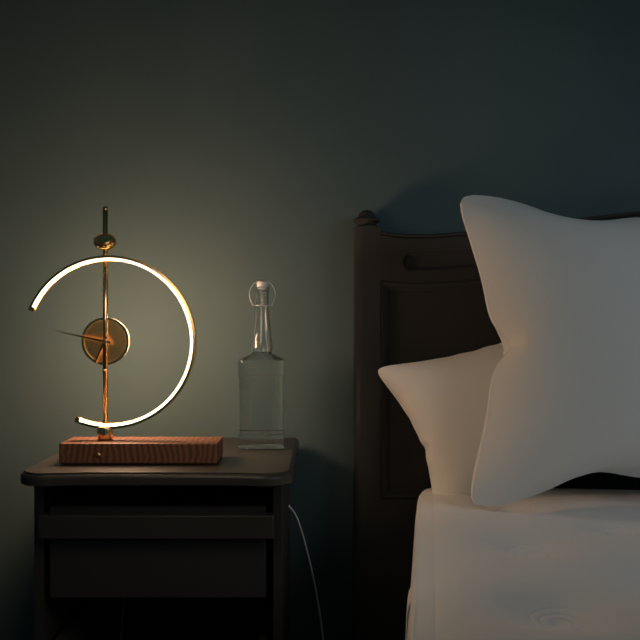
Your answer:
6:47
